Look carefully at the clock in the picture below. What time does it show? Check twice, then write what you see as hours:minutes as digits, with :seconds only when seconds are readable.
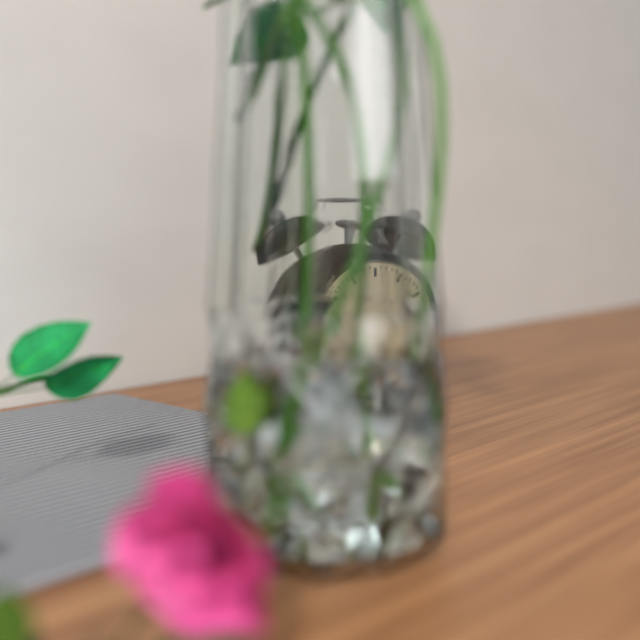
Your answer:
4:21
